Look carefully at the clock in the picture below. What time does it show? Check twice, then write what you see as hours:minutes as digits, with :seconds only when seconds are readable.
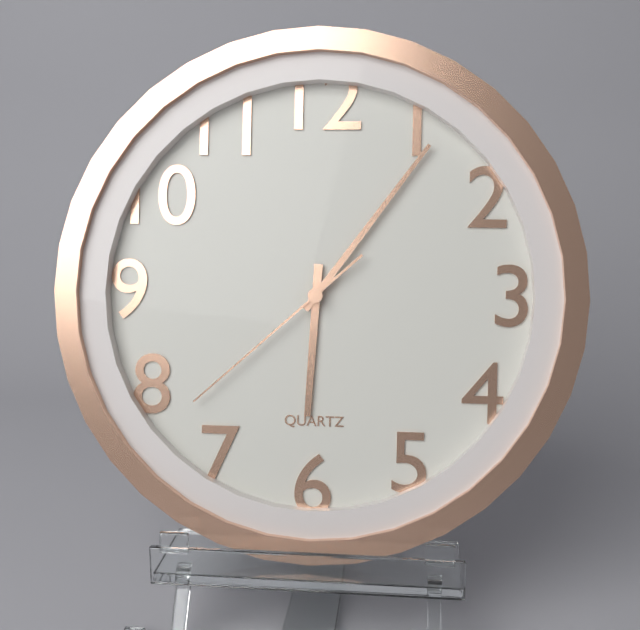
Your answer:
6:06:38
